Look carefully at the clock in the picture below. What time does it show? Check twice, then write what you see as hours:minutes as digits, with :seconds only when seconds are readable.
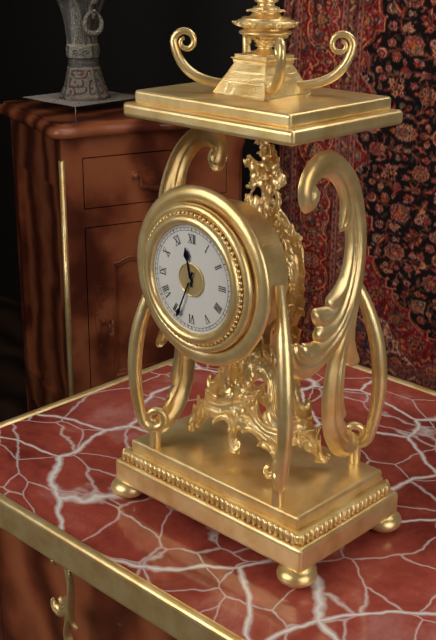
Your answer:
11:34
